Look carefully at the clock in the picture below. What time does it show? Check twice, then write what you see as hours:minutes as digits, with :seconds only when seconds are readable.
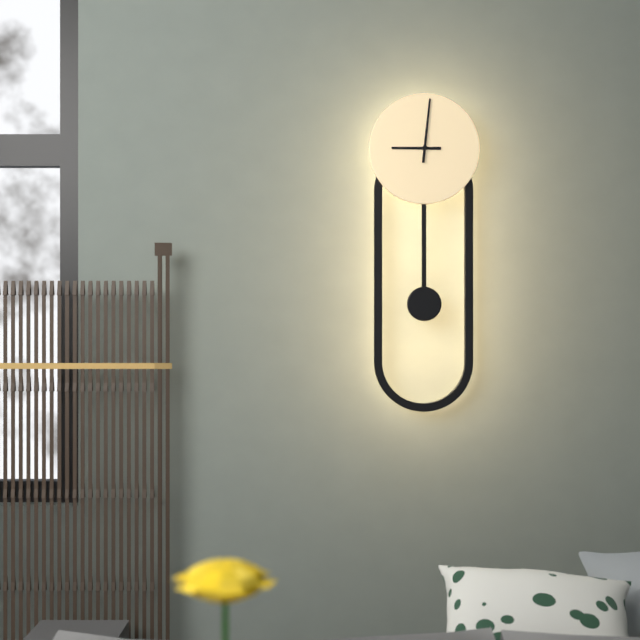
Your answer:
9:01
